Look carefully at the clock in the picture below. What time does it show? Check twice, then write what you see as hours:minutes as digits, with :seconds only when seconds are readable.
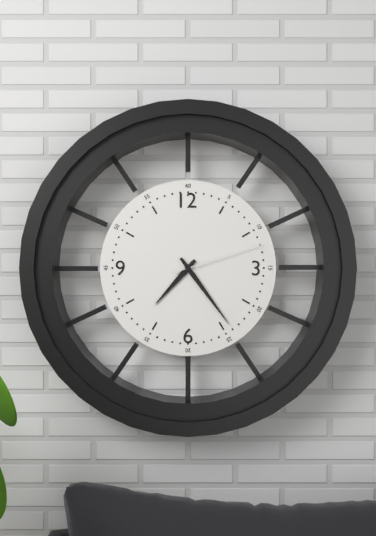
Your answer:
7:24:12
